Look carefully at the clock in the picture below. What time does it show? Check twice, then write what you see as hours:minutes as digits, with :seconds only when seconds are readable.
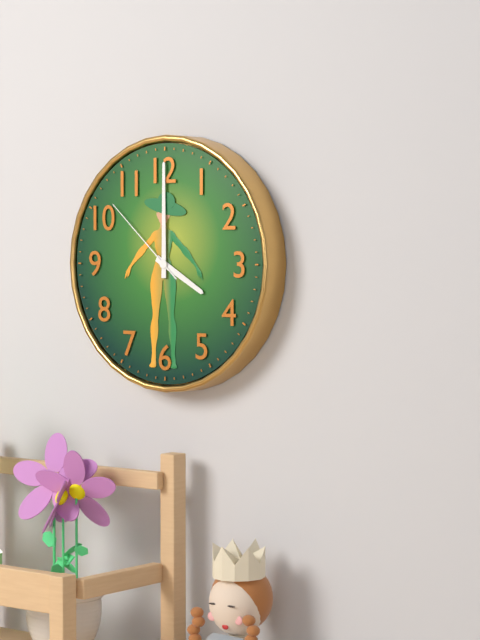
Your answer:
4:00:52
